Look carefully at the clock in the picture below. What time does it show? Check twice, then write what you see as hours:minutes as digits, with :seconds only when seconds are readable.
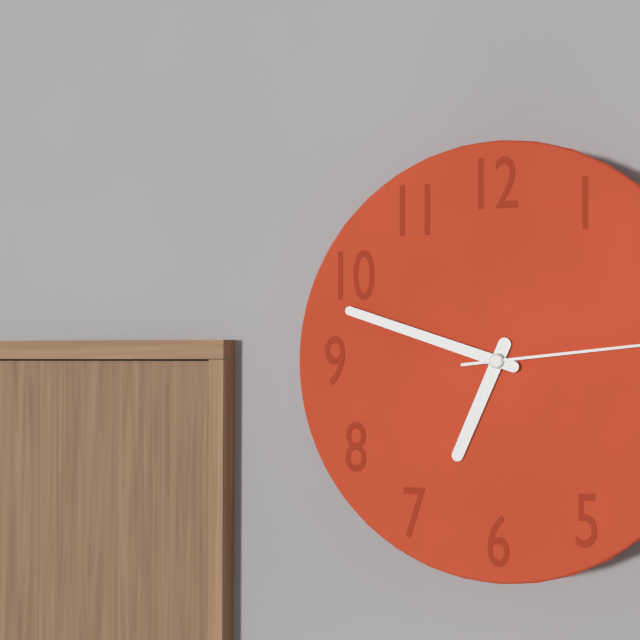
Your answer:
6:48
